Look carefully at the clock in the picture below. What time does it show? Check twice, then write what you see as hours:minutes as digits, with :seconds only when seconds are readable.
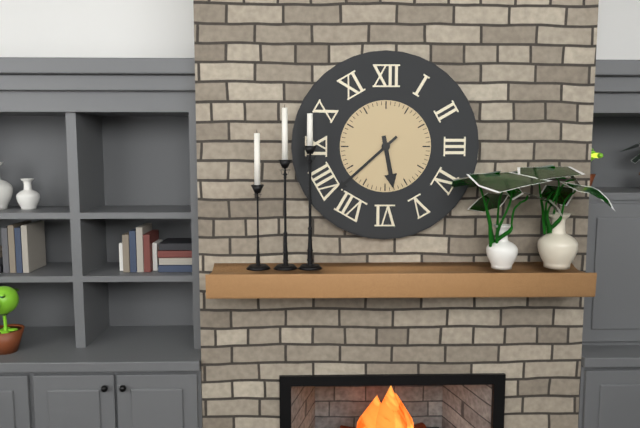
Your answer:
5:38
